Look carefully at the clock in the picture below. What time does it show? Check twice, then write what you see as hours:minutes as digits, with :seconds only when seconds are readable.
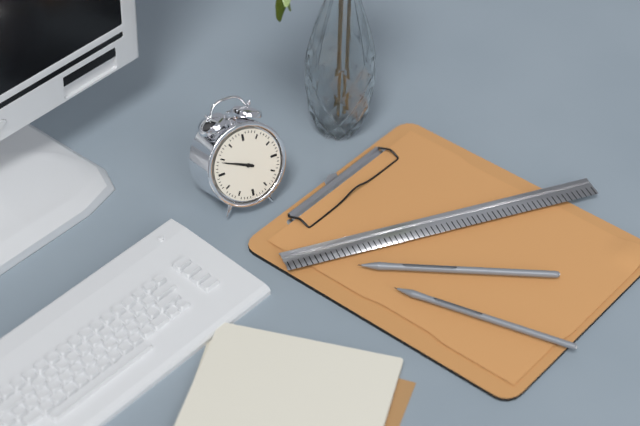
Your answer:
9:49
